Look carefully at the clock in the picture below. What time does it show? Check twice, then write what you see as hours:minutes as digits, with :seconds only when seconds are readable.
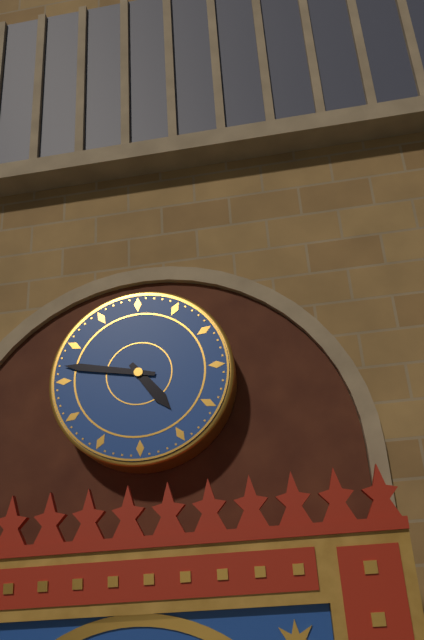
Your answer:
4:47
